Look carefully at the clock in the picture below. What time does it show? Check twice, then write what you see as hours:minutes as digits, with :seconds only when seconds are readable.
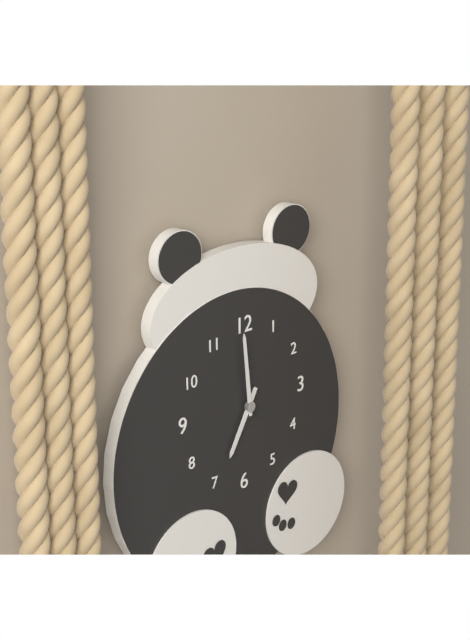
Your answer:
6:59
